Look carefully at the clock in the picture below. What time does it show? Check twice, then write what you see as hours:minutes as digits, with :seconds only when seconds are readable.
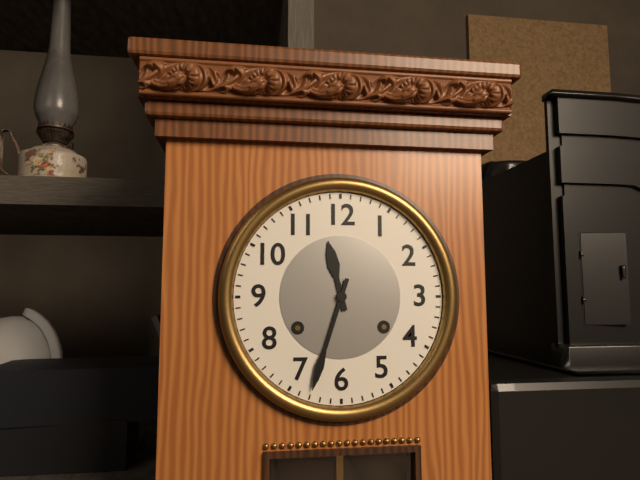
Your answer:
11:33
